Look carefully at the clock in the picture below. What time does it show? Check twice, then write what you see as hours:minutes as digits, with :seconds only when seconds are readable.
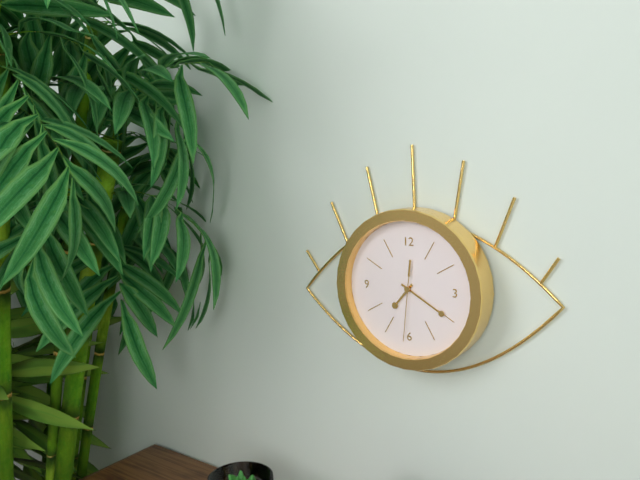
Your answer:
7:20:31
